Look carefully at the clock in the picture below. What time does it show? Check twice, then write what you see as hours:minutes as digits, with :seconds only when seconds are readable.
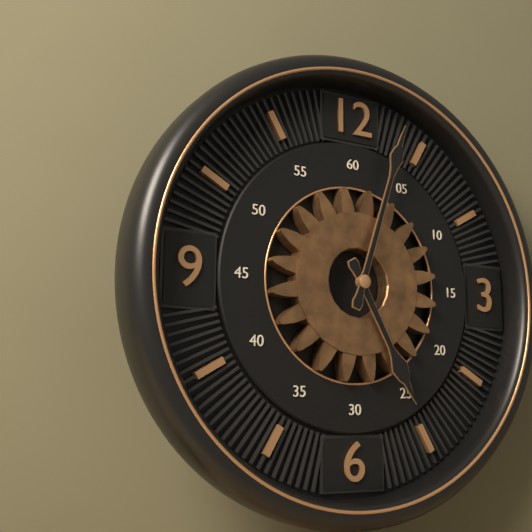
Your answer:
5:03
